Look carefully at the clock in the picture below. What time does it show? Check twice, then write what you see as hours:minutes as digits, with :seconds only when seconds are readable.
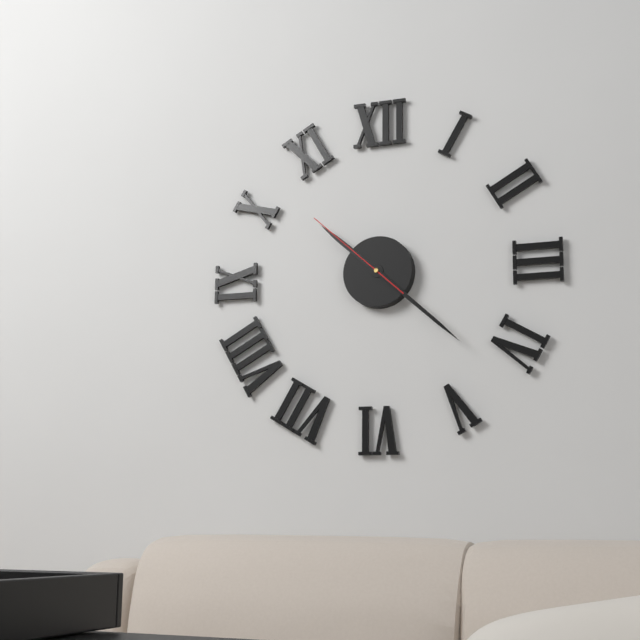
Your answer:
10:22:52
